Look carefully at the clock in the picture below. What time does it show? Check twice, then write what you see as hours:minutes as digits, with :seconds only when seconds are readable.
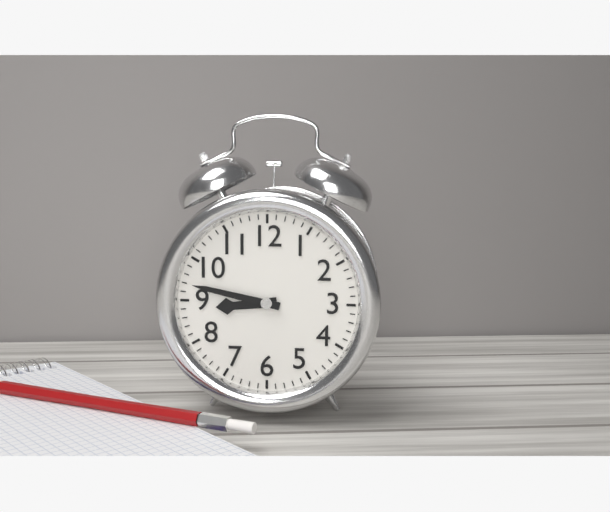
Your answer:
8:47
